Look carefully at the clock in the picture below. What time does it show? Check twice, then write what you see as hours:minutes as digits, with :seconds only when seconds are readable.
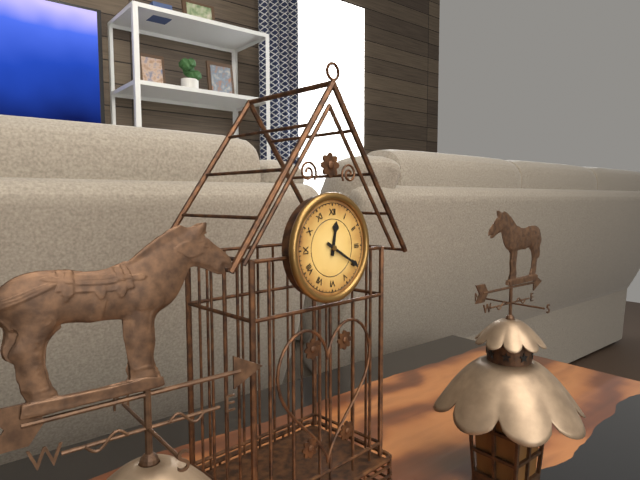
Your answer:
12:20
